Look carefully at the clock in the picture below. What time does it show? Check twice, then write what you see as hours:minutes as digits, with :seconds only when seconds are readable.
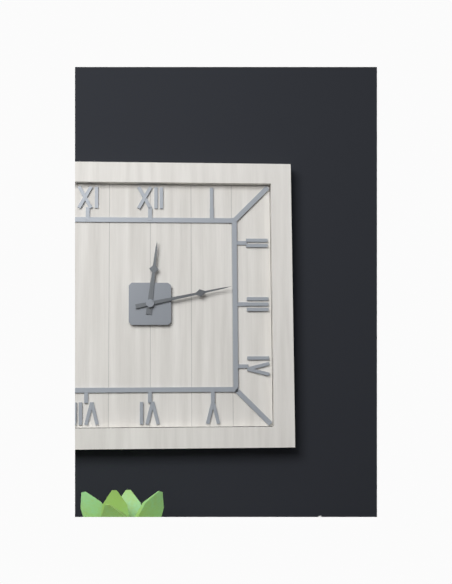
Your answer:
12:13
